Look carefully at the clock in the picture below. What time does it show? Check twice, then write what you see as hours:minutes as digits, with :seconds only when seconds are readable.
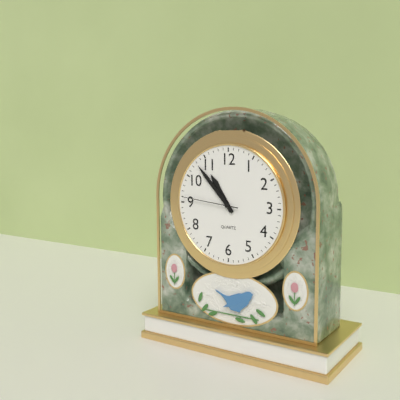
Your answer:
10:53:46
